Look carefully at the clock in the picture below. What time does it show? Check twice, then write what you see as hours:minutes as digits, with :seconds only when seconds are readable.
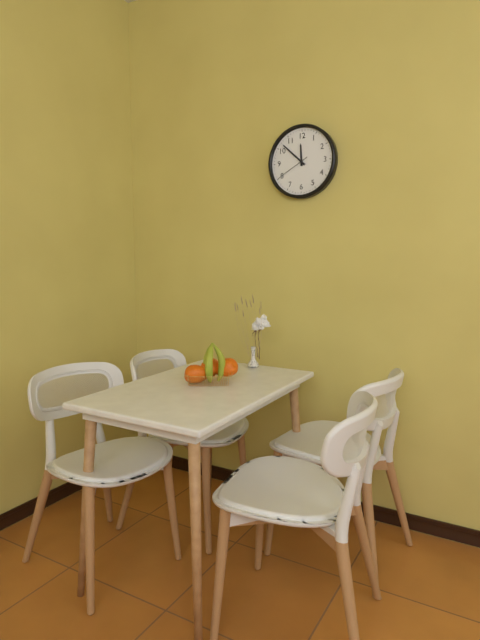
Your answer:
11:52
